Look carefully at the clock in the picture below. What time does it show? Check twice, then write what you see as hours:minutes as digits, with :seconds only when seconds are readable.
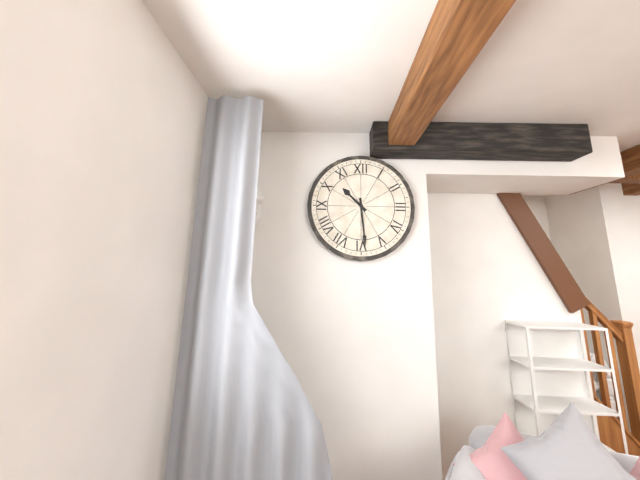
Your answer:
10:29
